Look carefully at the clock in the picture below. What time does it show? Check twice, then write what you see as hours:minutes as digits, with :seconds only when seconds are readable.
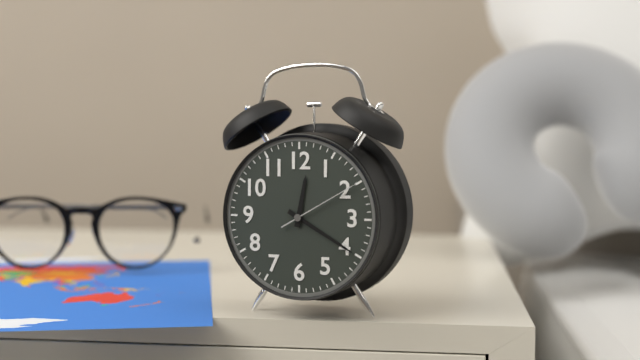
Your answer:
12:20:10
